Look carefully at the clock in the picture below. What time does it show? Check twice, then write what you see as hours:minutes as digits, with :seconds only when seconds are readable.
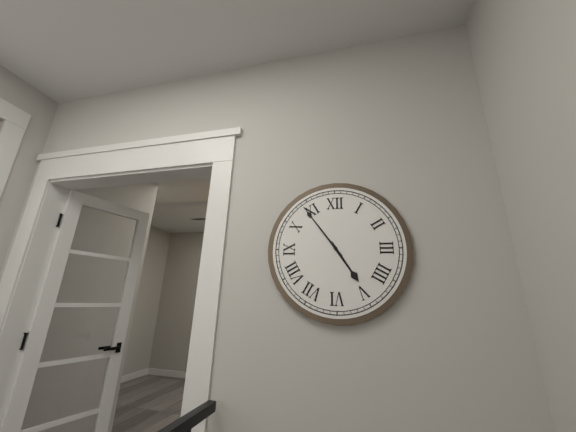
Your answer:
4:54
